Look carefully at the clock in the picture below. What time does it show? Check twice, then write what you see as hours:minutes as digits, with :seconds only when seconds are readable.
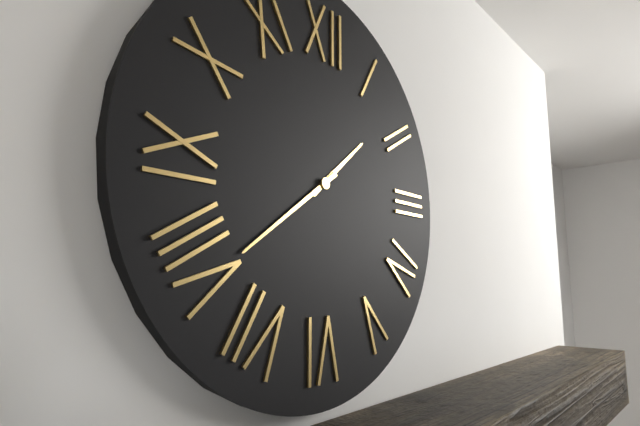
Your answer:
1:39
